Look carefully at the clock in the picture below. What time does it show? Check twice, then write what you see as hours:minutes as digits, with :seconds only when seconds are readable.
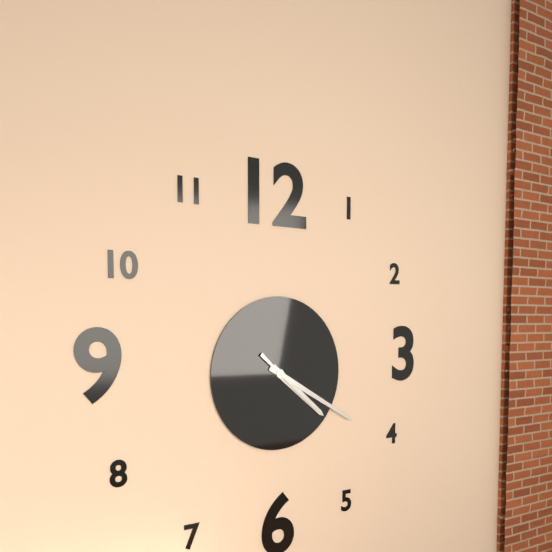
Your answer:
4:20:22
